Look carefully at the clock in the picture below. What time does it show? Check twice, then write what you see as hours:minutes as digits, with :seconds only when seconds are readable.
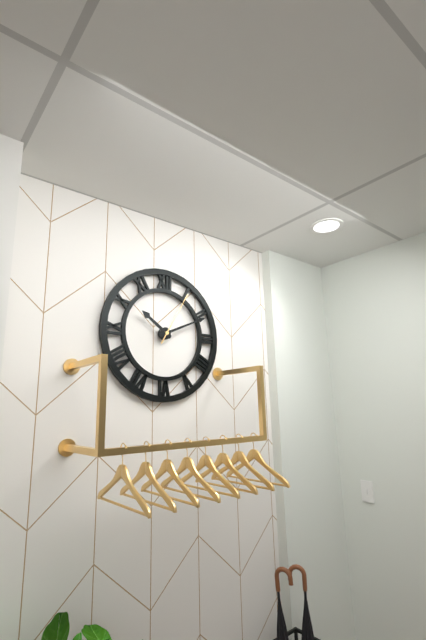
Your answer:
10:11:05
